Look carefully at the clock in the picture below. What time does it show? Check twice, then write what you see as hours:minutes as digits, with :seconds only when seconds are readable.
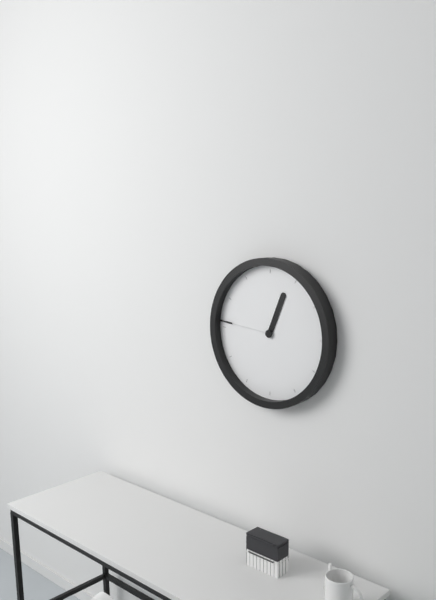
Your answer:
12:46
